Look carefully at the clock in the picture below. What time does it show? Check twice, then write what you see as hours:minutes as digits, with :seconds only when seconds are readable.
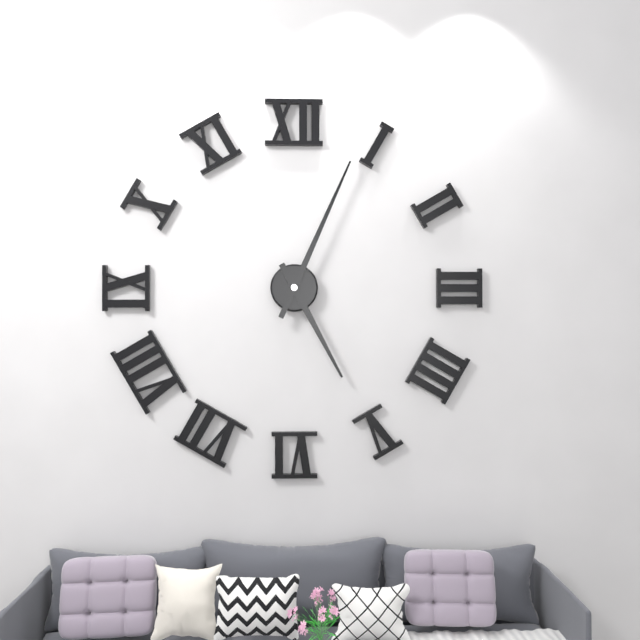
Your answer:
5:04
